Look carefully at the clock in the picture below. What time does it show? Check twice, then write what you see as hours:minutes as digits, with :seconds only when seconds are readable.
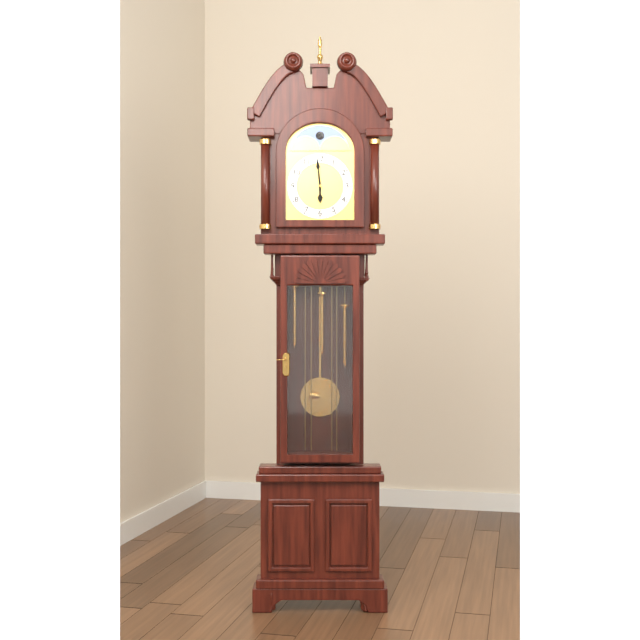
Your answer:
5:59
